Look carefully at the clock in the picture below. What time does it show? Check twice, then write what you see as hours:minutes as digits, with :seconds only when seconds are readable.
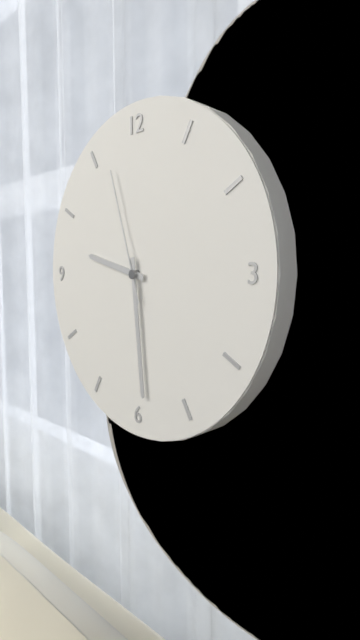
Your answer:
9:29:57
